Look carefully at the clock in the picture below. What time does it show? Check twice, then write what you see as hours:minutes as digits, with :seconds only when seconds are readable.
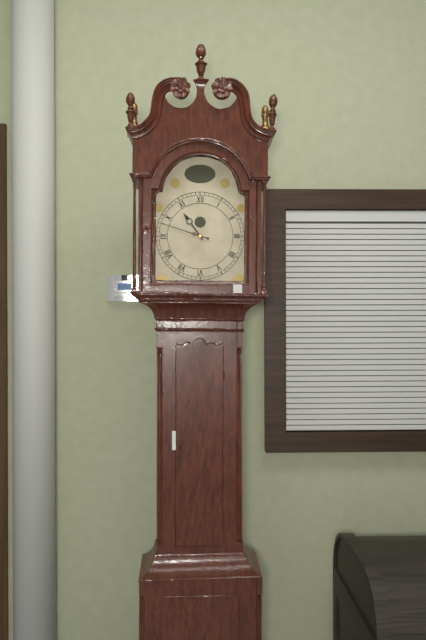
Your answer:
10:48
